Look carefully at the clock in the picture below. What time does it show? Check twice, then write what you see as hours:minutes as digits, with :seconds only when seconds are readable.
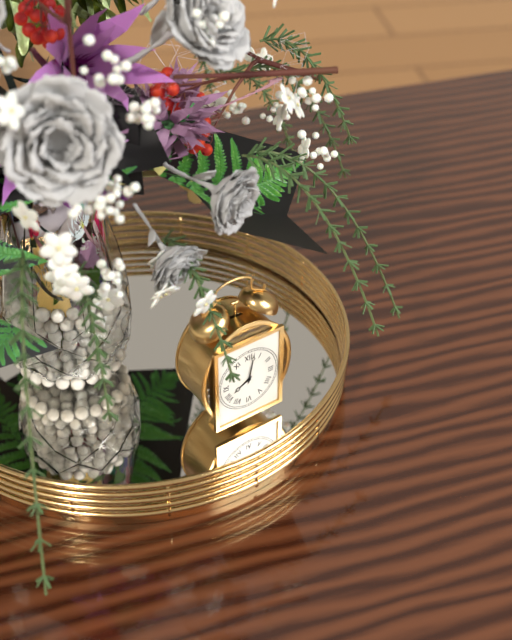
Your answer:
8:02
